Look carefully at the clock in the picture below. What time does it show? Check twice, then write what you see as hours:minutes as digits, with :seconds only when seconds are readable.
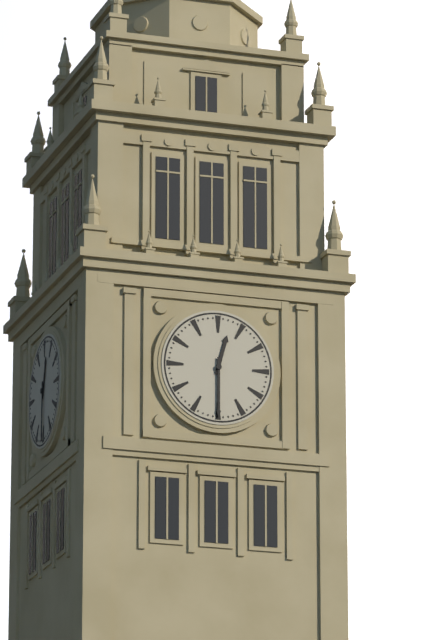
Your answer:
12:30
